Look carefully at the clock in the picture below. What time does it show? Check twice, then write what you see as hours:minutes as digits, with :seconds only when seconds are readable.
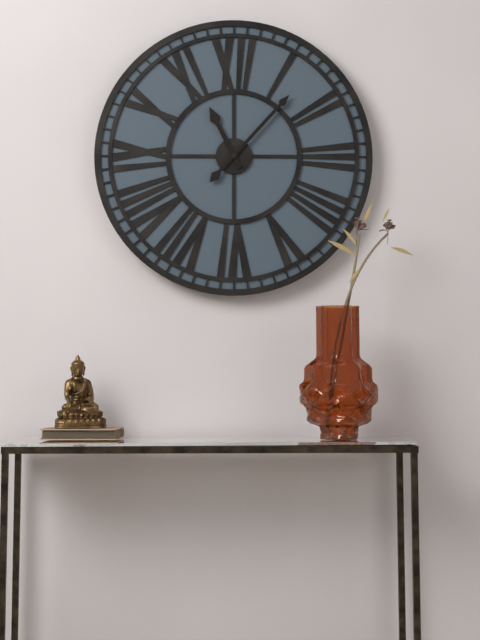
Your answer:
11:07
